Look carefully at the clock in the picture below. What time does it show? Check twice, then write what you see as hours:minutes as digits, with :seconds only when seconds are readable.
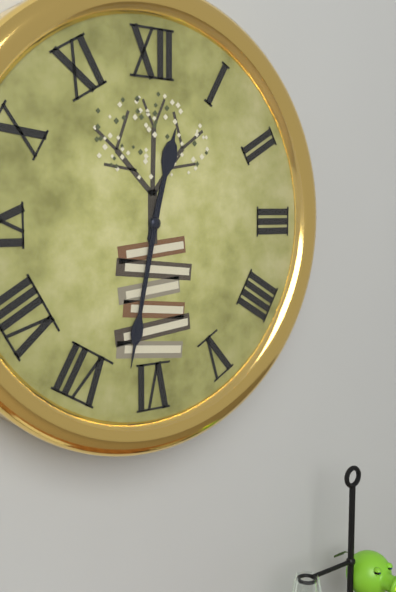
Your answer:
12:32
